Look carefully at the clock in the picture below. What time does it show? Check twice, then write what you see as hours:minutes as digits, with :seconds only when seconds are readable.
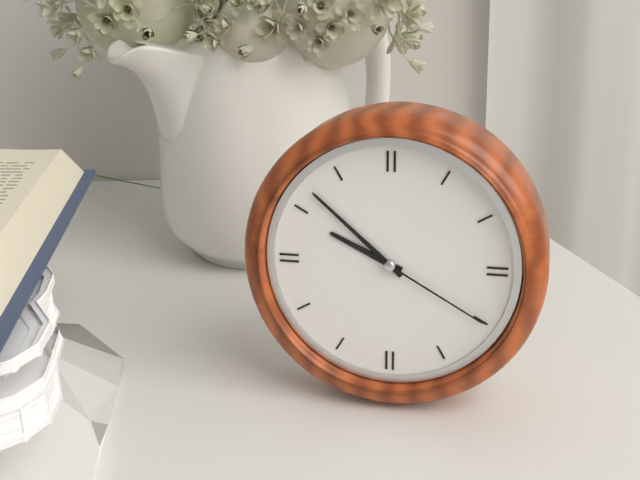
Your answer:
9:52:20
